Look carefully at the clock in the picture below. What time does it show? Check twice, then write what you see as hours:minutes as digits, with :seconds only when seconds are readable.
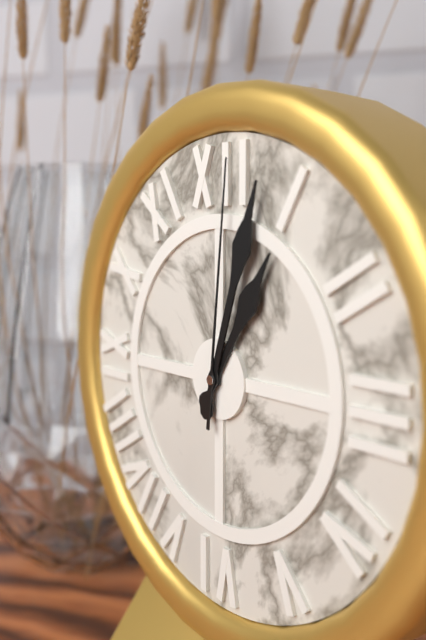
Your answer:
1:03:01
